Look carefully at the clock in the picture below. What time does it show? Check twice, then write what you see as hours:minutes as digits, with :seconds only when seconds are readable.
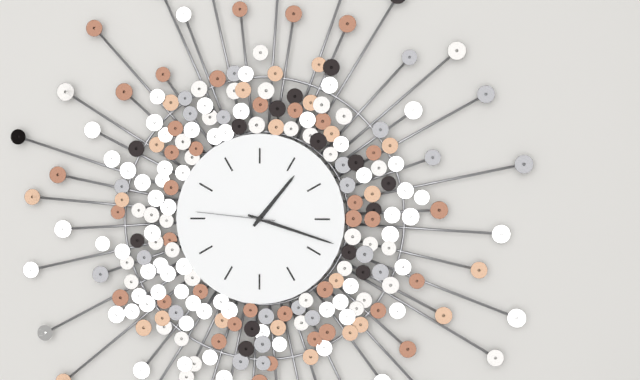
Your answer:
1:18:46
